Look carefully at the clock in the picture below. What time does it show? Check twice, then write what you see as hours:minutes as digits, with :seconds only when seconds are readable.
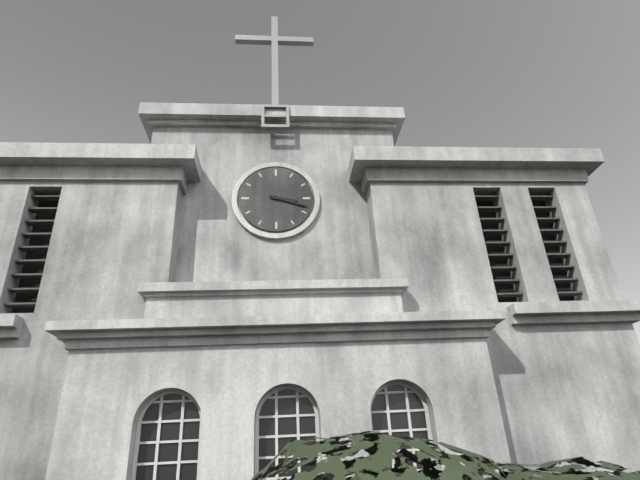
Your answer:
3:18
